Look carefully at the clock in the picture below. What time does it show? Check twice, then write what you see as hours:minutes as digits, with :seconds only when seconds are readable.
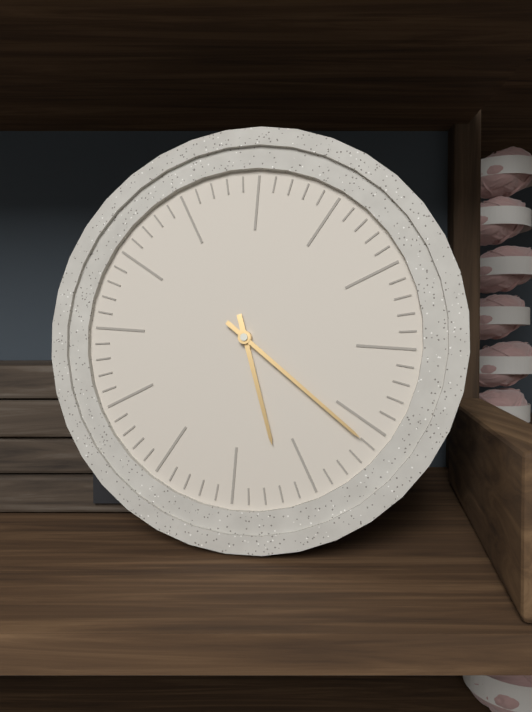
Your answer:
5:21
